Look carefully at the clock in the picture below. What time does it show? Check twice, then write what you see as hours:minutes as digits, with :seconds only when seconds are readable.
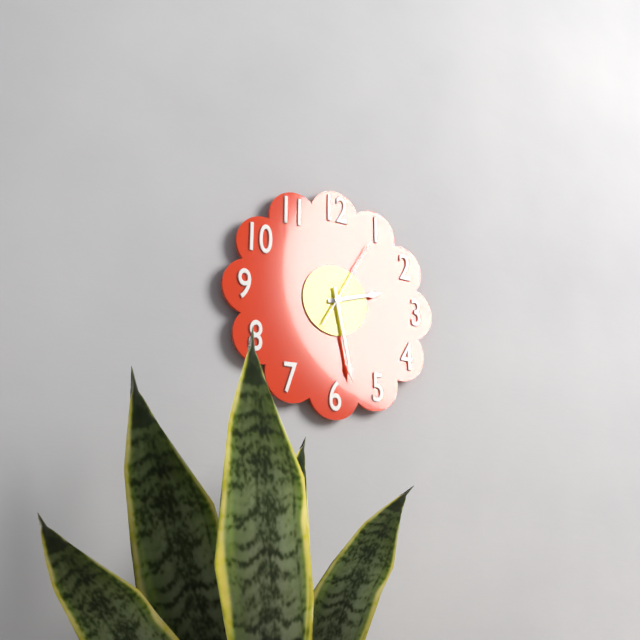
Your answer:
2:28:05
